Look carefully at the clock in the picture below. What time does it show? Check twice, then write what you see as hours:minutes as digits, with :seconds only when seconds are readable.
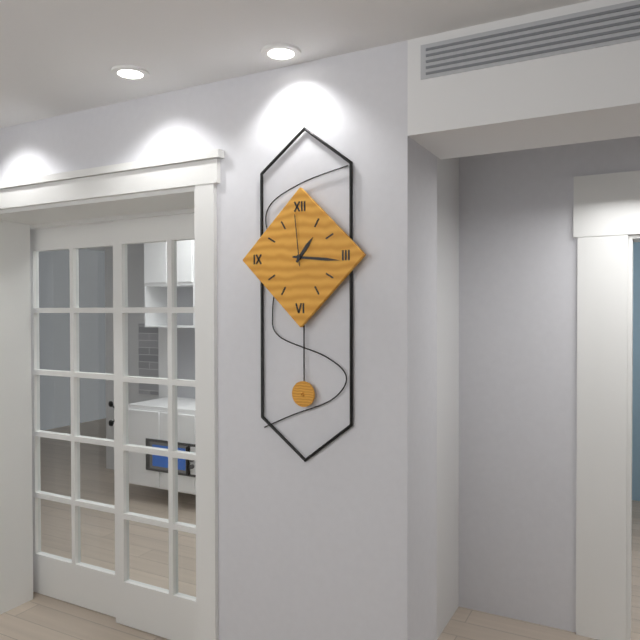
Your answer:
1:16:59
